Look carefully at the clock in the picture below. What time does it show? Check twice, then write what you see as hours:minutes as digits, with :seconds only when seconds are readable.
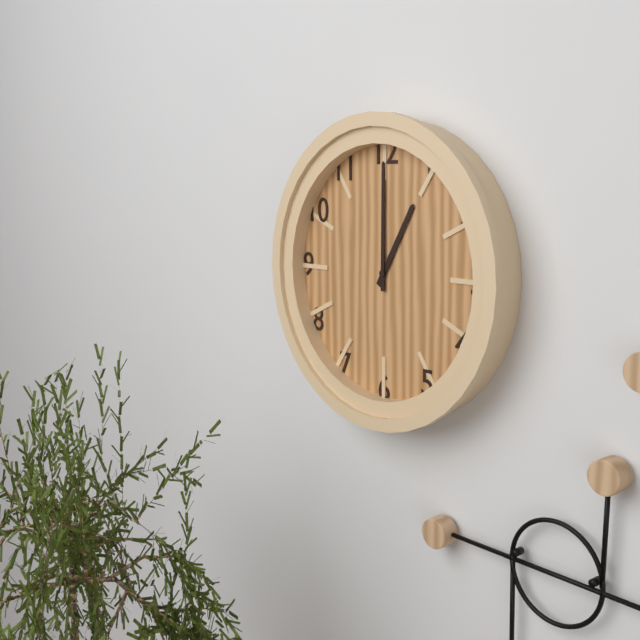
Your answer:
1:00
